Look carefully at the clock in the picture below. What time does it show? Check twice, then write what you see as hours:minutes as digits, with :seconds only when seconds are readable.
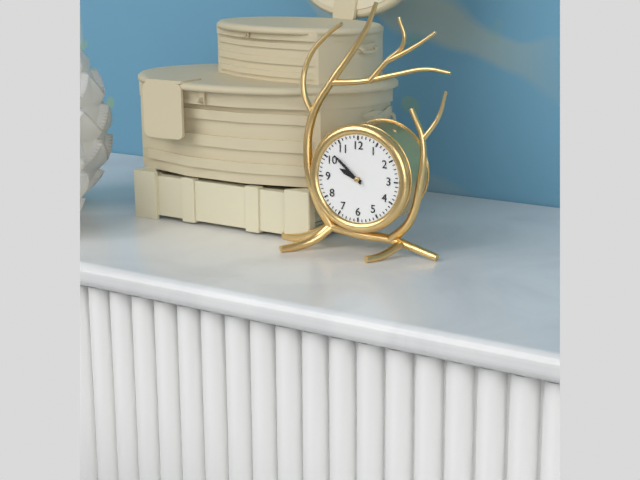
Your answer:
9:52
